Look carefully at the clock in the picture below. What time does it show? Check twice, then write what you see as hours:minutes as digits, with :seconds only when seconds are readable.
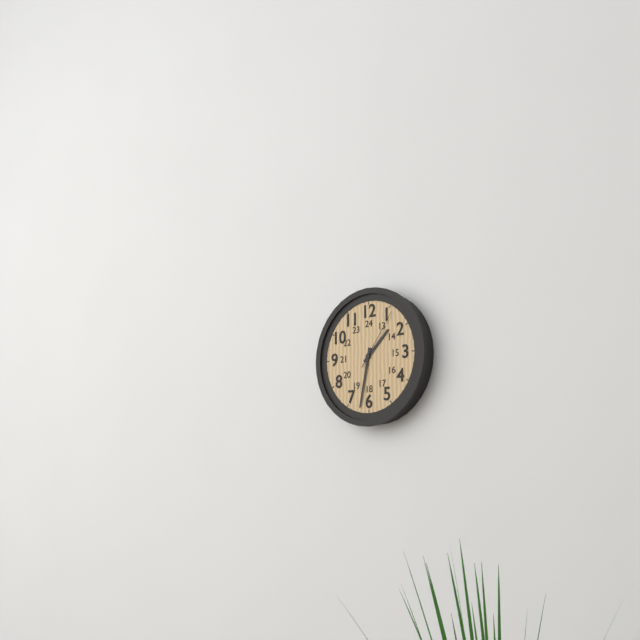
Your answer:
1:32:06
